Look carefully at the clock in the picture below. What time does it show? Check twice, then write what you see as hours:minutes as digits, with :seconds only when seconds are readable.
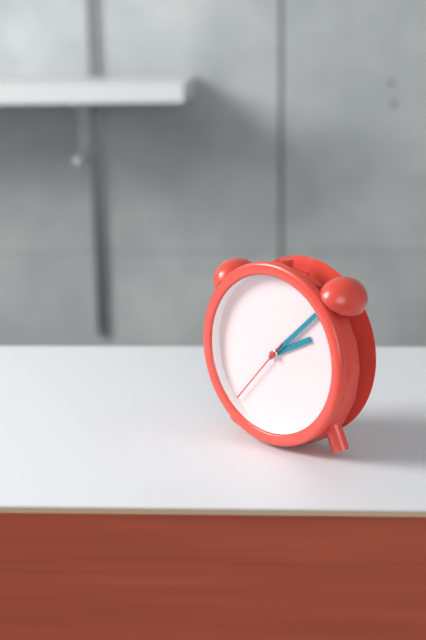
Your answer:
2:08:37
